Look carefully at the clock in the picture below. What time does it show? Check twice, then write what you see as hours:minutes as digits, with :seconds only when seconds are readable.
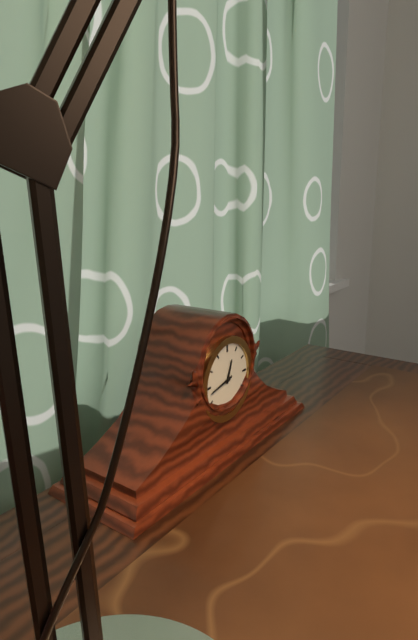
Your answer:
12:43
